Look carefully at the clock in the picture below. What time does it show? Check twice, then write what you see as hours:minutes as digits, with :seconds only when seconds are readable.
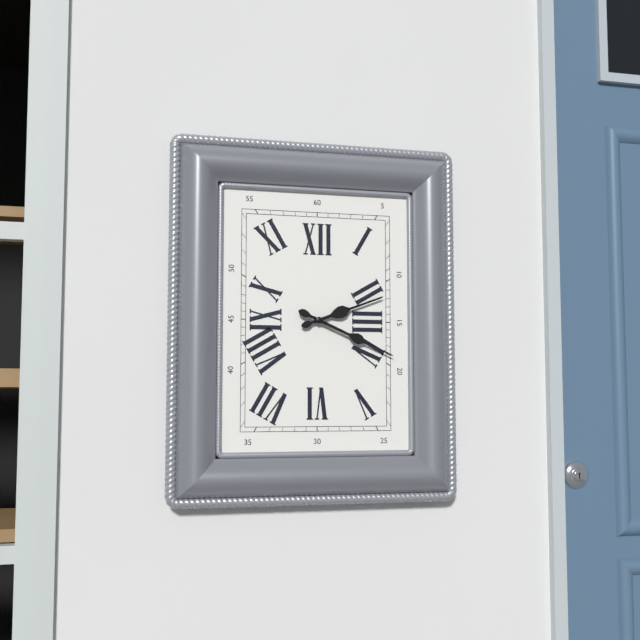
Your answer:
2:19
